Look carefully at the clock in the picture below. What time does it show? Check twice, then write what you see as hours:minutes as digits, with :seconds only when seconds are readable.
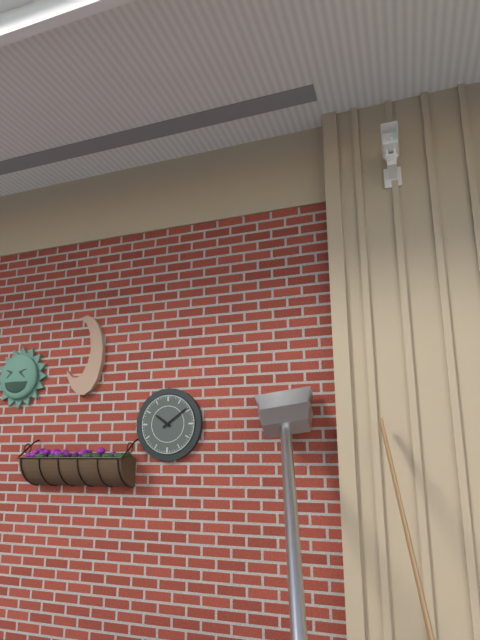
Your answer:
10:09
